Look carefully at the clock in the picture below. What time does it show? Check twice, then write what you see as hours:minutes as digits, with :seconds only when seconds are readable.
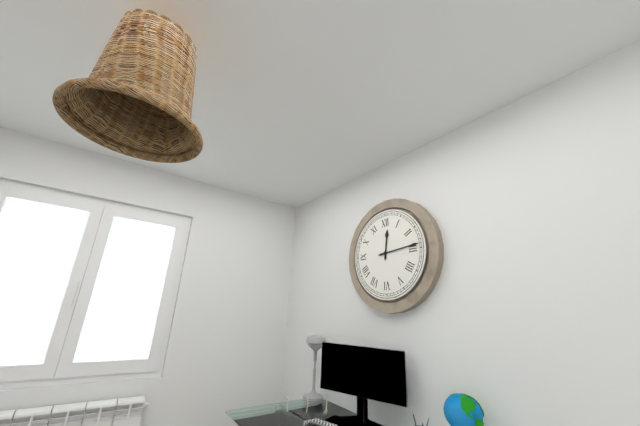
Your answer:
12:14
